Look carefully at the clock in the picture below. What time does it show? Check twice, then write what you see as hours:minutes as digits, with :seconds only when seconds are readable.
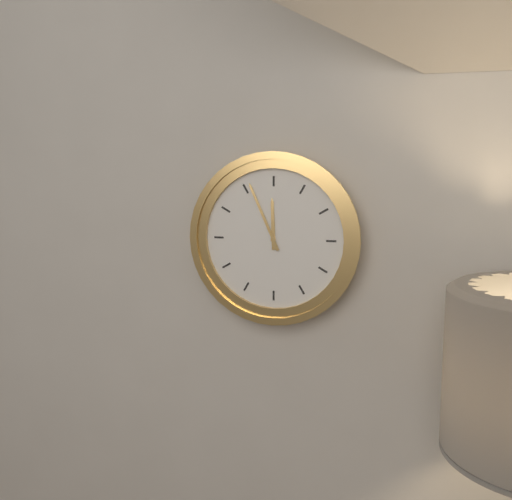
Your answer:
11:56
